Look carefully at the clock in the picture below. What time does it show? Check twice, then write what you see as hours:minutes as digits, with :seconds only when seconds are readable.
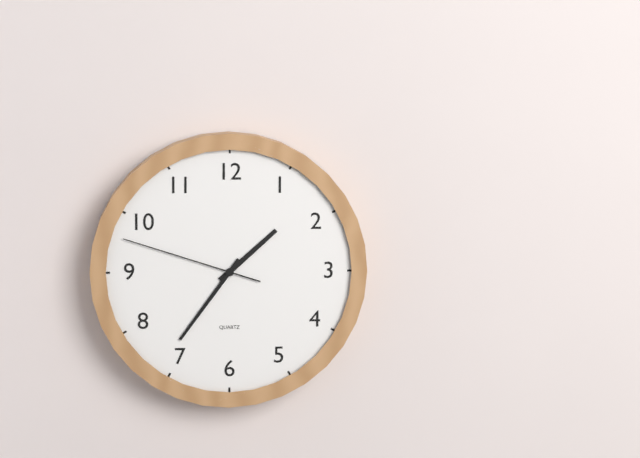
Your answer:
1:36:48
